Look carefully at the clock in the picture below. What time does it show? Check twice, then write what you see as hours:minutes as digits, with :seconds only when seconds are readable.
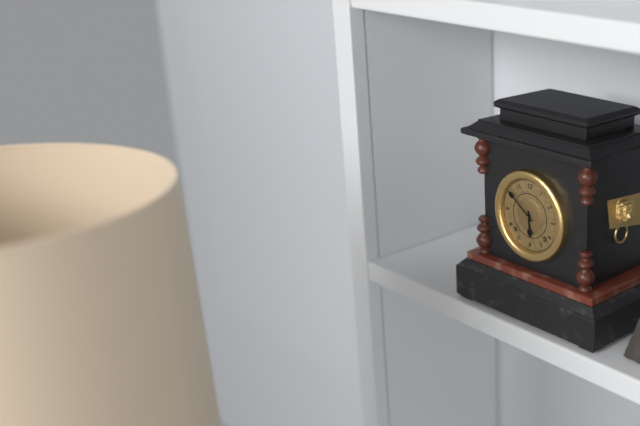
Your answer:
5:51
